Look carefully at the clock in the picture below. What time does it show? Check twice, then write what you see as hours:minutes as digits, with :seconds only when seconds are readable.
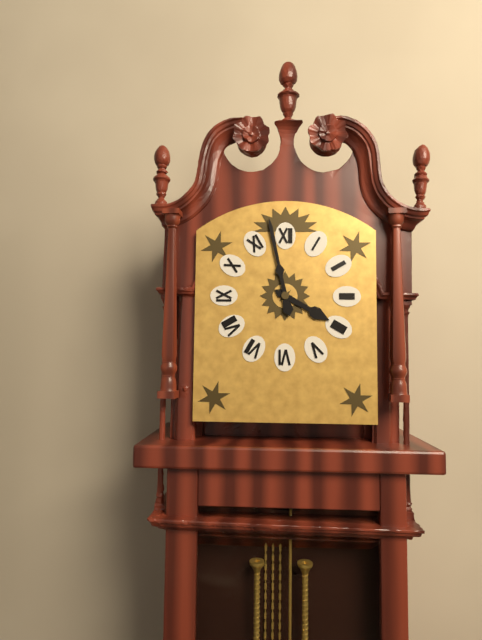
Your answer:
3:58
